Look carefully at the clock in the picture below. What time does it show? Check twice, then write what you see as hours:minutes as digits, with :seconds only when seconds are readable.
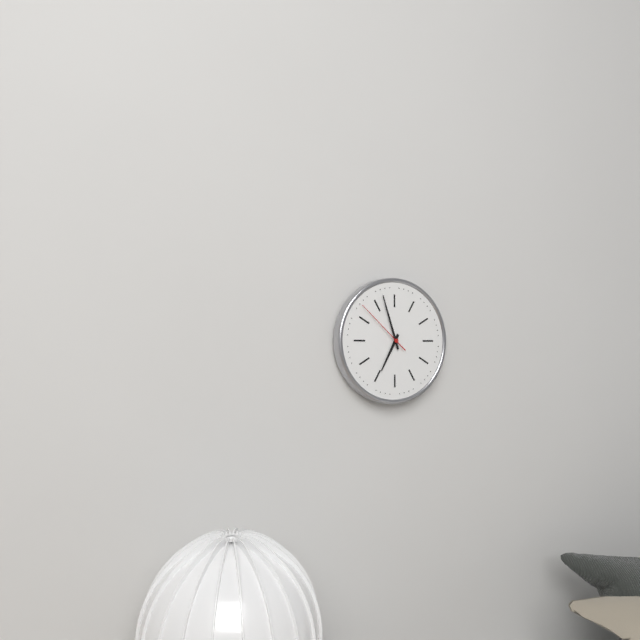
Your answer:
6:57:52
